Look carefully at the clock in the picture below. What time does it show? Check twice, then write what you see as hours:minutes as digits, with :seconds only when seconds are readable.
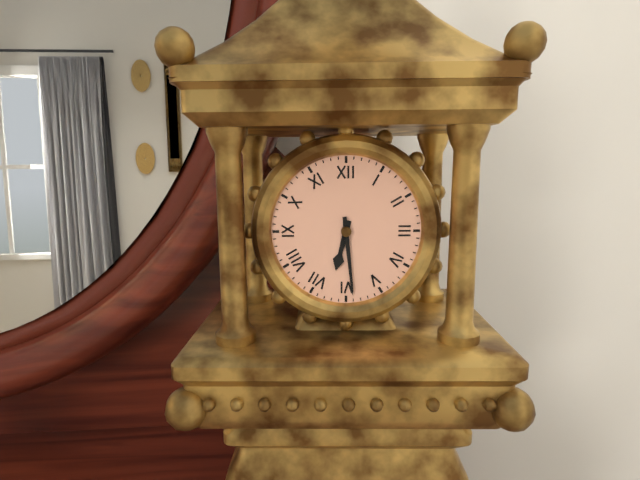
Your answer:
6:29
